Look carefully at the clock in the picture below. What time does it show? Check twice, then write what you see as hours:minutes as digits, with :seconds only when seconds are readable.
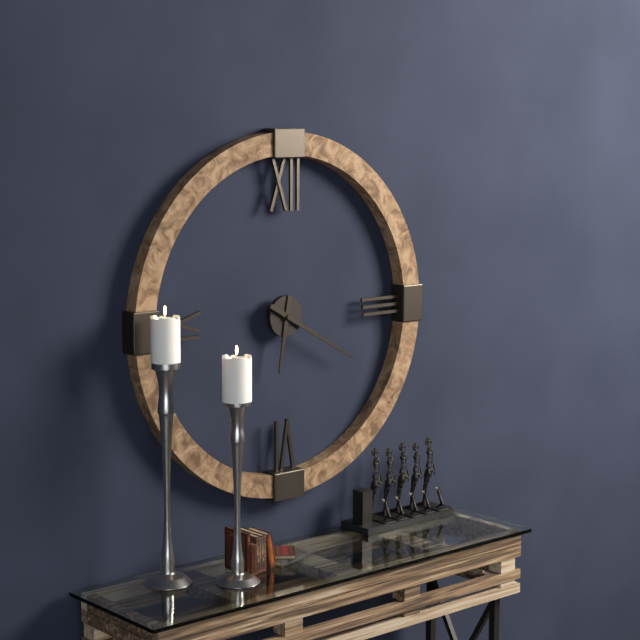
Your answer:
6:20
